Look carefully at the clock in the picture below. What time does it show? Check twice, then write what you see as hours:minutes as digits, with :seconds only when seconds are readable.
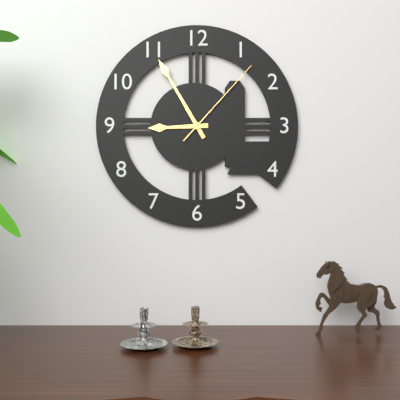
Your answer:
8:55:07
